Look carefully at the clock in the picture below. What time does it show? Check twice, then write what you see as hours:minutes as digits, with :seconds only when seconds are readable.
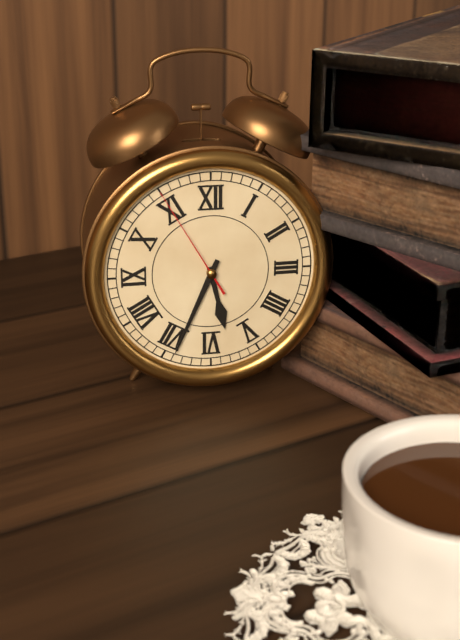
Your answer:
5:34:55
